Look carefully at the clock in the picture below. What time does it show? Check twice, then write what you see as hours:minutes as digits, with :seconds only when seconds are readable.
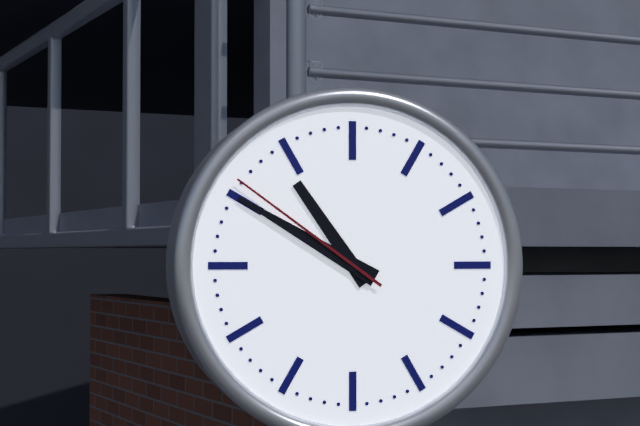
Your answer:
10:50:51
